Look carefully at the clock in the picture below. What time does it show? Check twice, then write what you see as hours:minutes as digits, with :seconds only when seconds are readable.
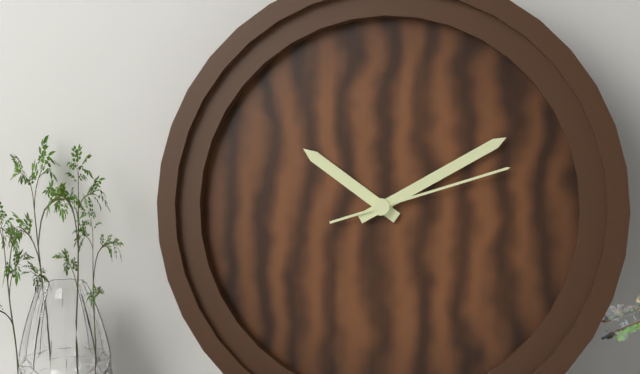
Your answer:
10:10:12
